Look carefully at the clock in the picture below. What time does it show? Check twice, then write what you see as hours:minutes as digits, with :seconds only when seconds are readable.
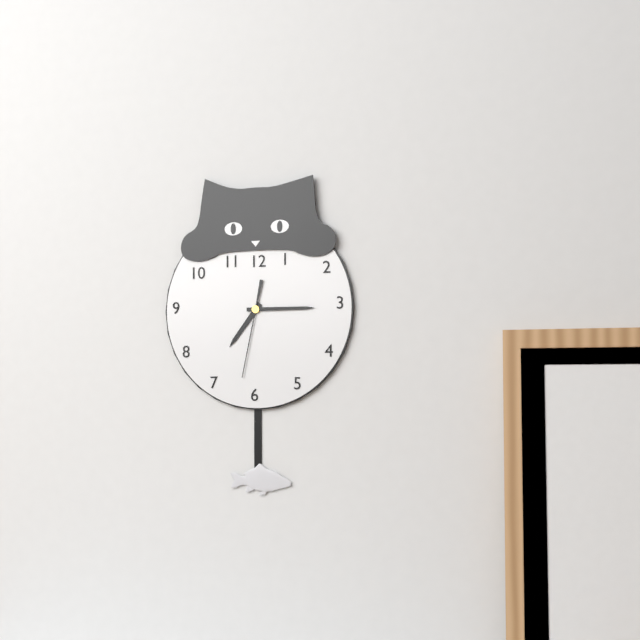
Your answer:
7:15:32
